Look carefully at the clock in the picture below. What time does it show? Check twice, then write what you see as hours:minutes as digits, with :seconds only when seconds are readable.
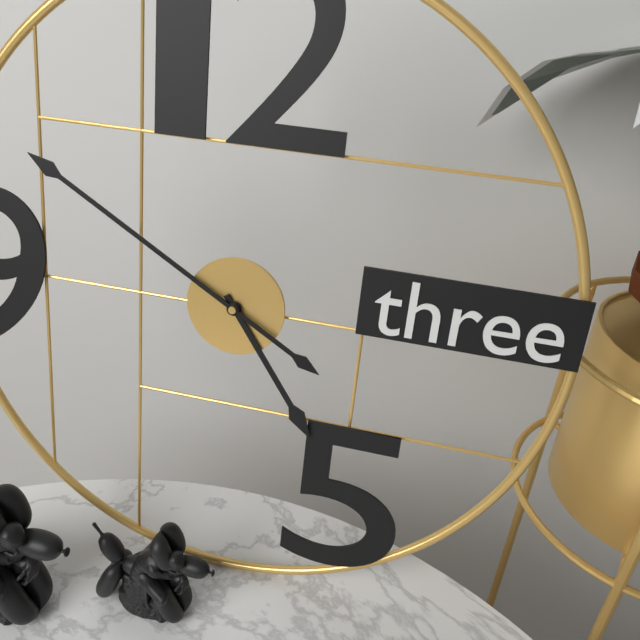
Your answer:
4:50
